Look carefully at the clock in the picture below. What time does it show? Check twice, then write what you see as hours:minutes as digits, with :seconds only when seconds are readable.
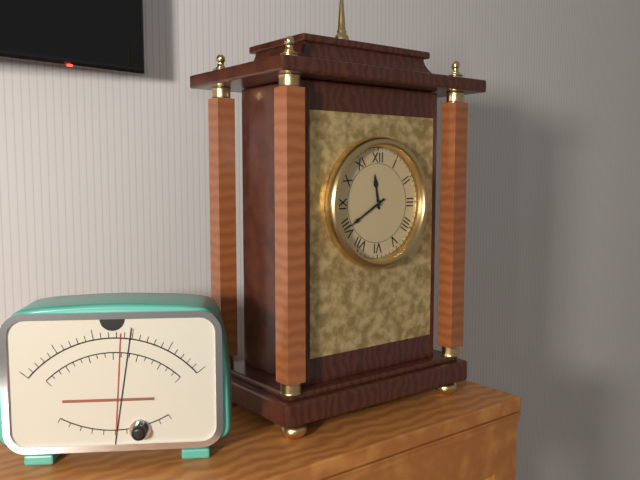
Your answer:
11:40
